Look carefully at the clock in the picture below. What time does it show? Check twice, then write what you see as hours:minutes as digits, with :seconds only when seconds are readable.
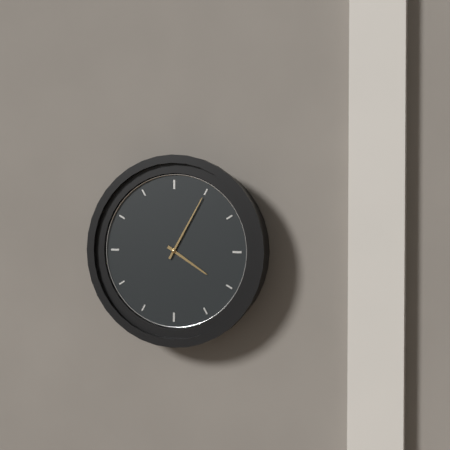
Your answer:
4:05
